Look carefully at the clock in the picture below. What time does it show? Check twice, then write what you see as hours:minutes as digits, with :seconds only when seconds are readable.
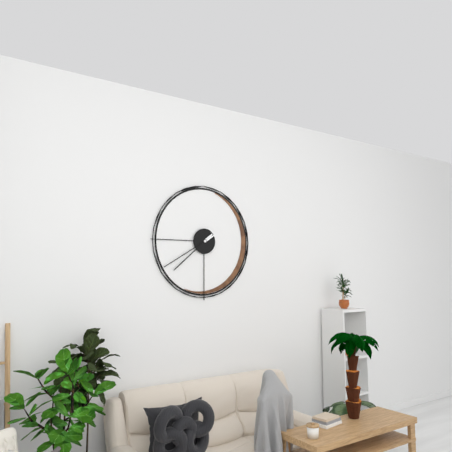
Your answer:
7:40
